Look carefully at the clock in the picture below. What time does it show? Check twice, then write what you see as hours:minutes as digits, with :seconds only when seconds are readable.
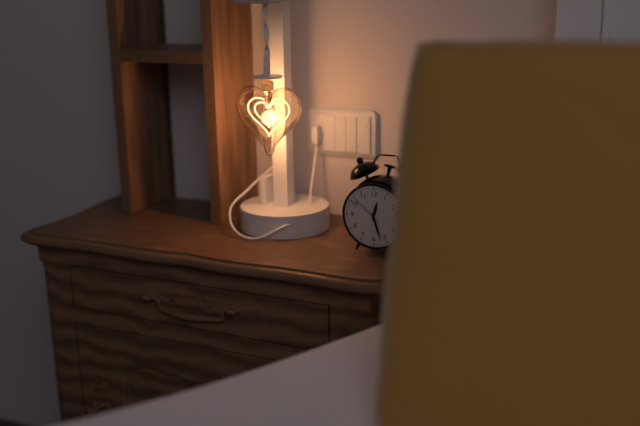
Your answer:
12:27
